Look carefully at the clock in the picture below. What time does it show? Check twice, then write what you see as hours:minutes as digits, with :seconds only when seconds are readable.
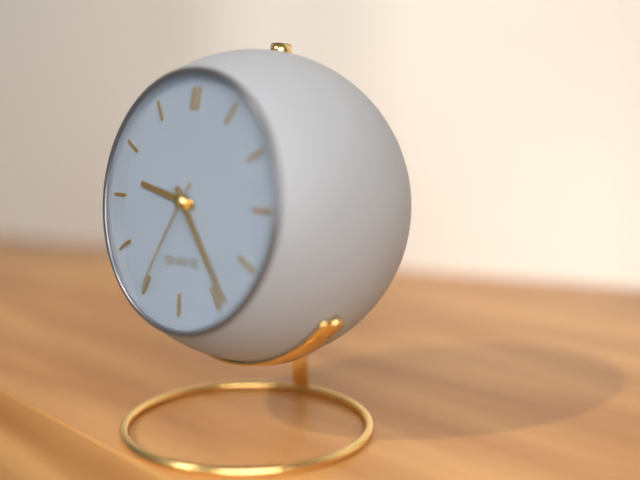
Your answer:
9:24:35
